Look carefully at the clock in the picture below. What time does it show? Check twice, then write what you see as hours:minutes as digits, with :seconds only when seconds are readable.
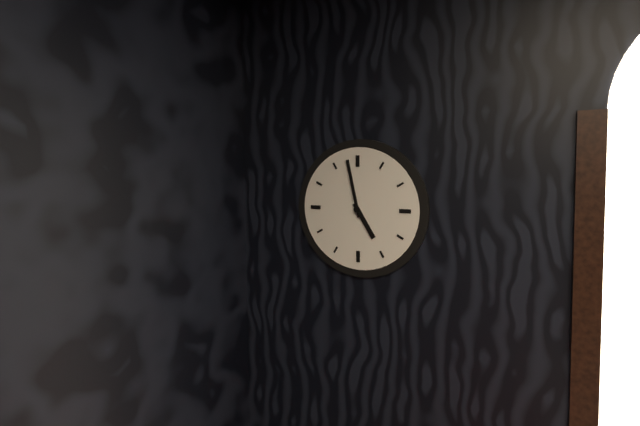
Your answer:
4:58
